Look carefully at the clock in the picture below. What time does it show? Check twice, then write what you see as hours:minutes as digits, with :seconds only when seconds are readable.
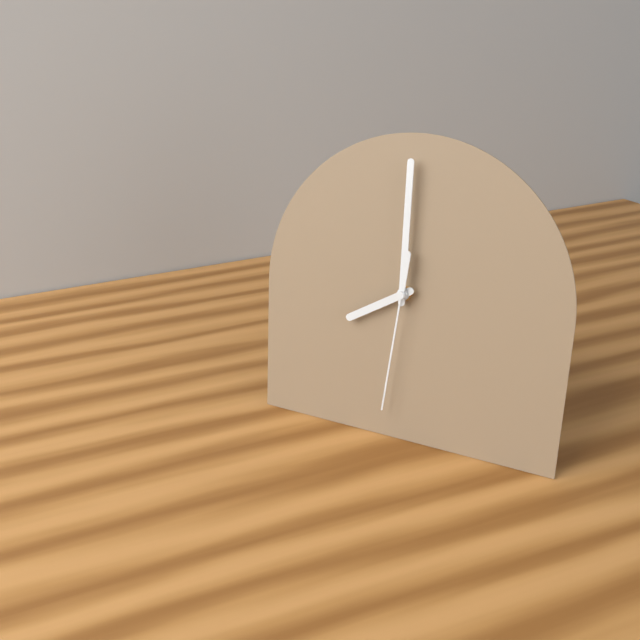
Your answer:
8:00:31
